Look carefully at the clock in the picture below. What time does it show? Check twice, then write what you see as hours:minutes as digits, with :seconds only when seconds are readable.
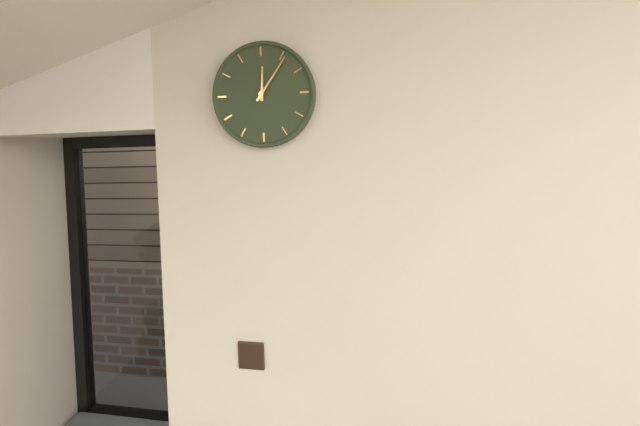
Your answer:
12:06
